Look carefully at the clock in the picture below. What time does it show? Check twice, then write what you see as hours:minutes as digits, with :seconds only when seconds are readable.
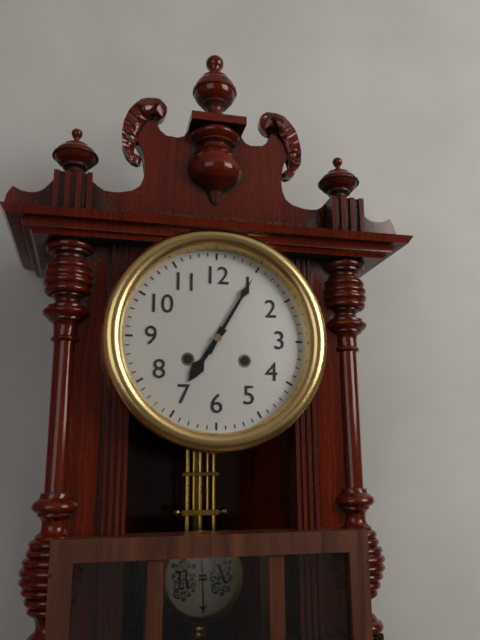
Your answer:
7:05
